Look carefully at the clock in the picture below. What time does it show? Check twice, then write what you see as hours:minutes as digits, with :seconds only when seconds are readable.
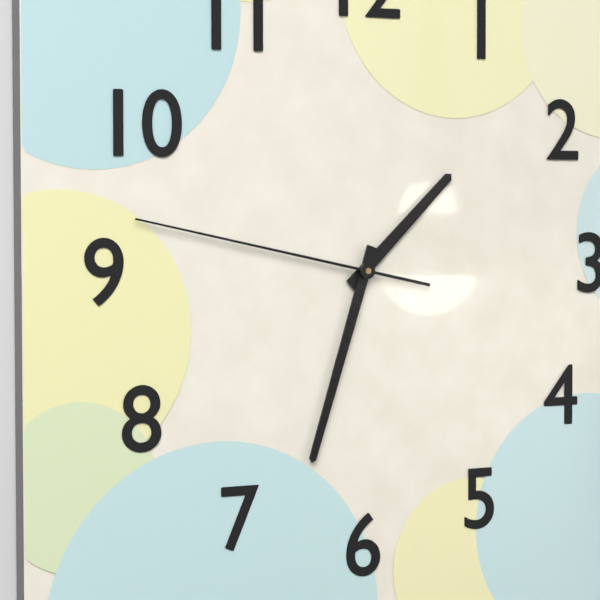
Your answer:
1:33:47
